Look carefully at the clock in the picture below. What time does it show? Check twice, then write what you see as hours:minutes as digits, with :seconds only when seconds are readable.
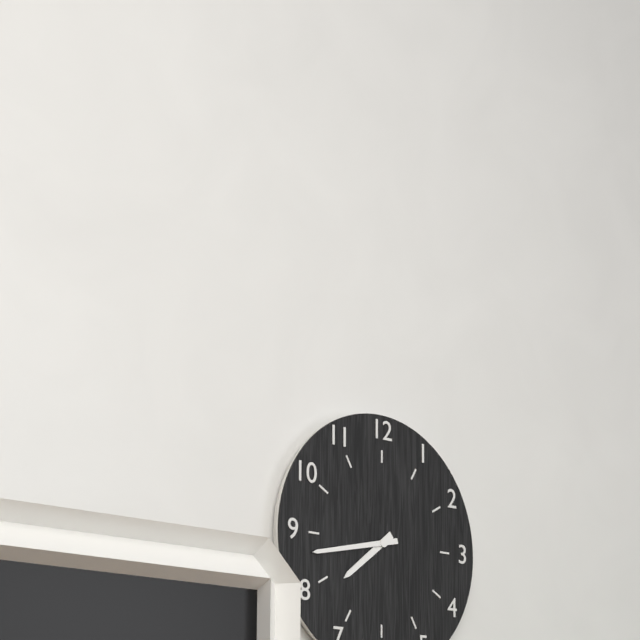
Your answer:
7:43
